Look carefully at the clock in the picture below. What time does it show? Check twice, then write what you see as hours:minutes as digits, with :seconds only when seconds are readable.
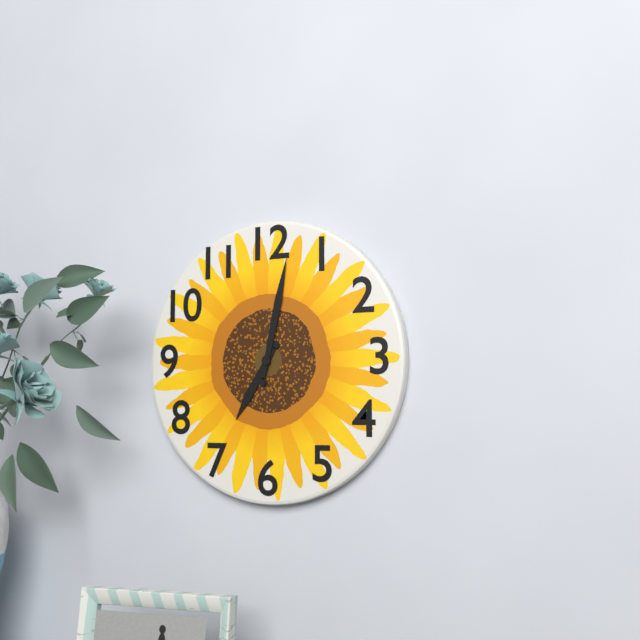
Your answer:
7:02
